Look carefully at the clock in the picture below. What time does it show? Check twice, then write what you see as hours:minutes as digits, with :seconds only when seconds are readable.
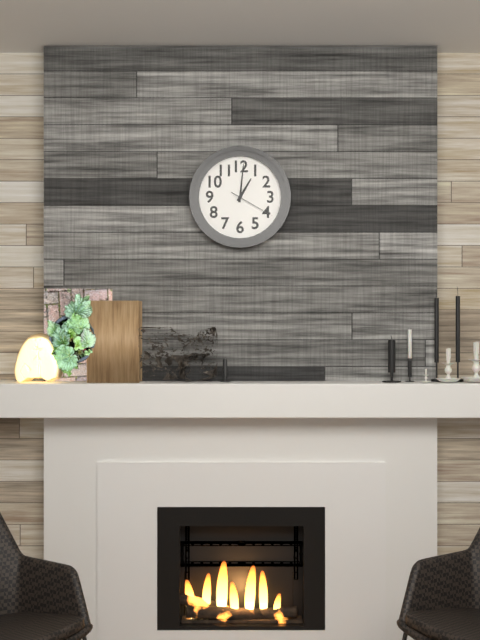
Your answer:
1:01
